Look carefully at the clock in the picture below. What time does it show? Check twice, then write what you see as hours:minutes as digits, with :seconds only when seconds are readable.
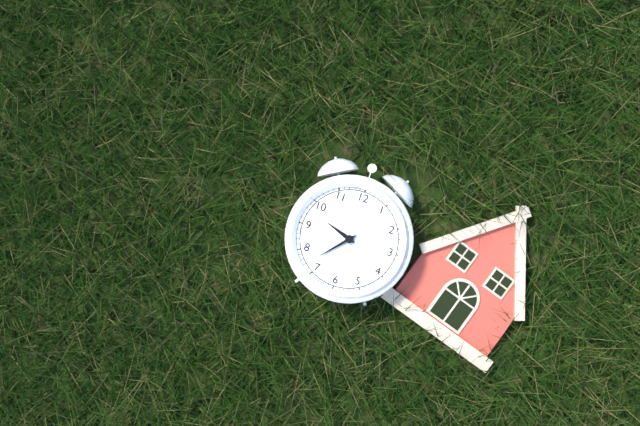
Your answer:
9:37
